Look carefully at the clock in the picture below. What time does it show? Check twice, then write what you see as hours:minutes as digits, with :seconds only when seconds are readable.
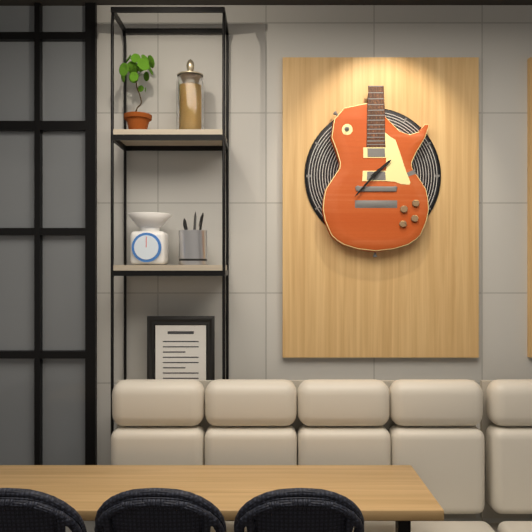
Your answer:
1:37
